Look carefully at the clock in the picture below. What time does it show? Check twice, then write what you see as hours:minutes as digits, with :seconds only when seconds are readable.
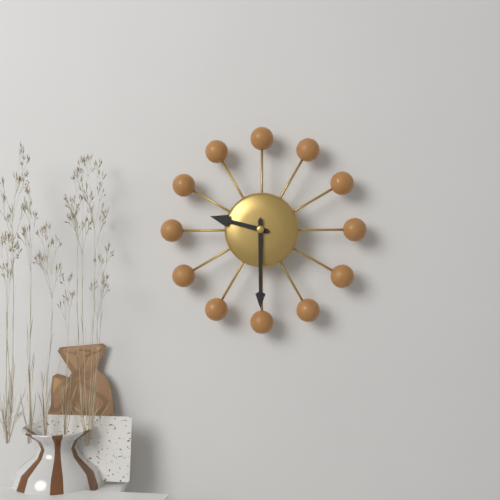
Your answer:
9:30
